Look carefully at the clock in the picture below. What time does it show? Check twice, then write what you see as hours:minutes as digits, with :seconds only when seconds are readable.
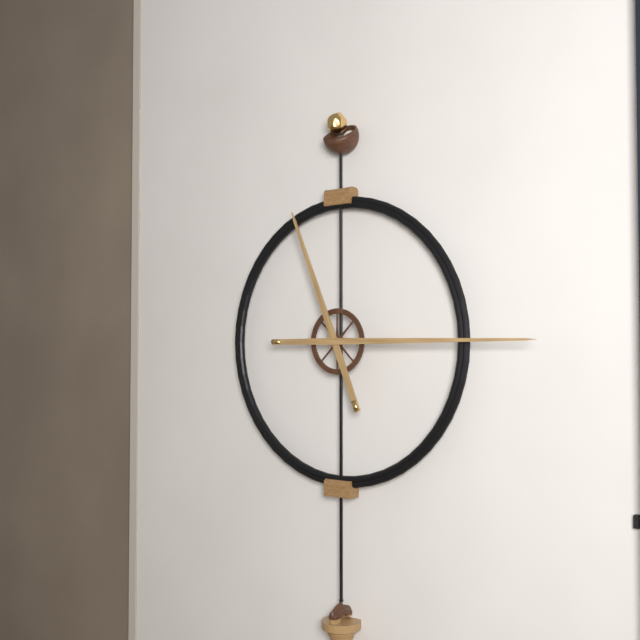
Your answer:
11:15
